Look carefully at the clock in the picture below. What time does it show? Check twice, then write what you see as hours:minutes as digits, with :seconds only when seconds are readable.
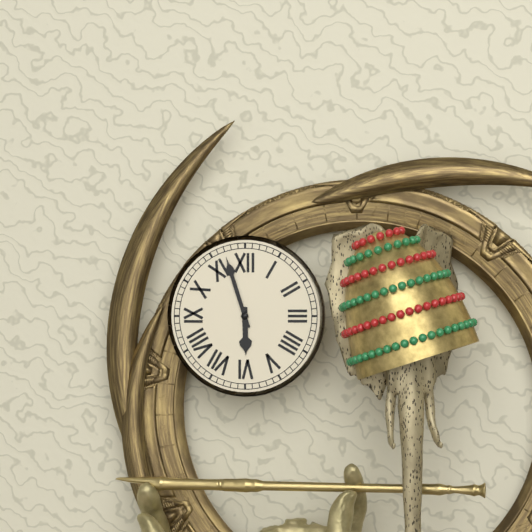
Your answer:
5:57
